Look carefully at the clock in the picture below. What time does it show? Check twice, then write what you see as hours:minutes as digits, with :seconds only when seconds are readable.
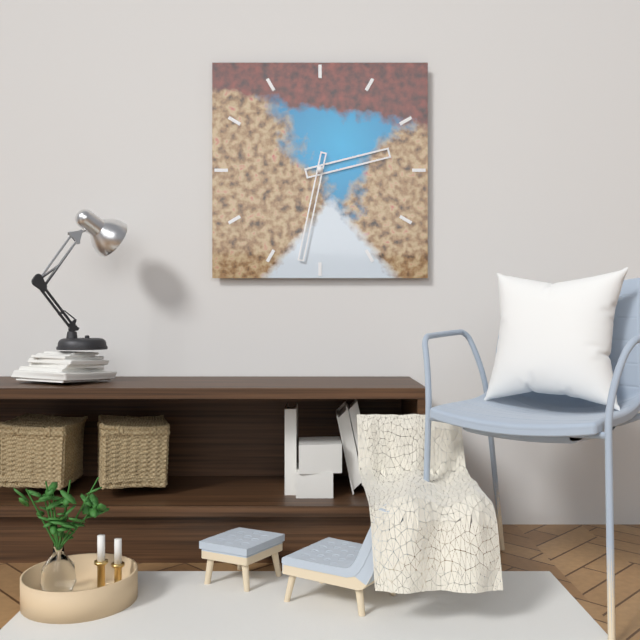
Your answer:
2:32
